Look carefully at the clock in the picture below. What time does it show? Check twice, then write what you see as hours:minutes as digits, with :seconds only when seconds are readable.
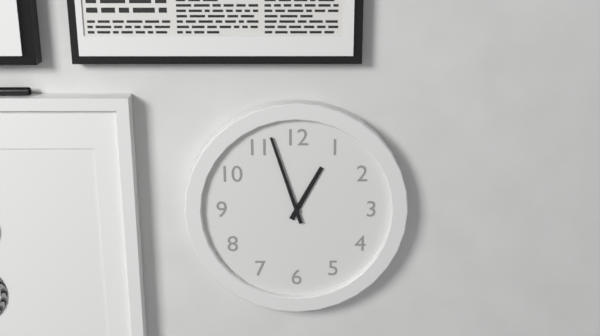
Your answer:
12:57
